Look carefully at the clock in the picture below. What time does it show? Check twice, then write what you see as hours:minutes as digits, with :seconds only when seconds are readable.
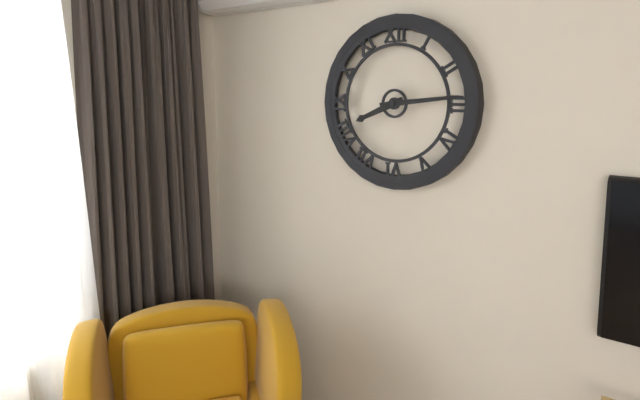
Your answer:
8:14
